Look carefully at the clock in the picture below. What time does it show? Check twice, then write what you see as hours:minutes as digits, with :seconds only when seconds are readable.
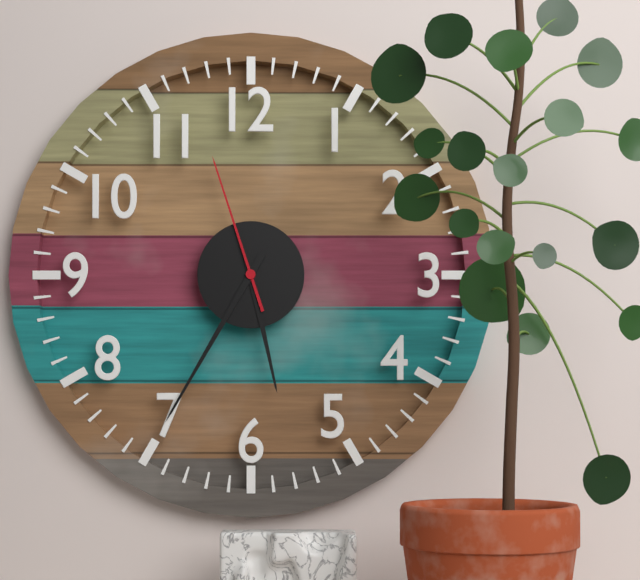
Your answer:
5:35:57
